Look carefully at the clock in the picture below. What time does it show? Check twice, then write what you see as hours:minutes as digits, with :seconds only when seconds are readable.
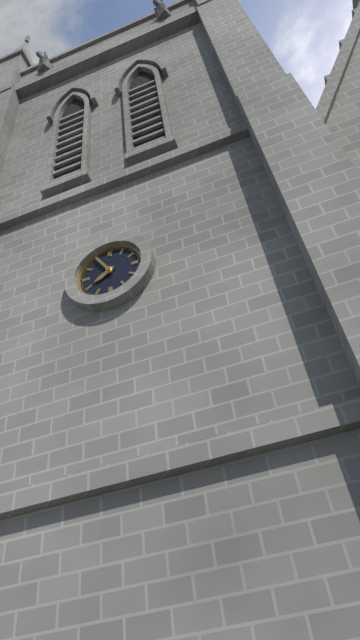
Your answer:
7:55
